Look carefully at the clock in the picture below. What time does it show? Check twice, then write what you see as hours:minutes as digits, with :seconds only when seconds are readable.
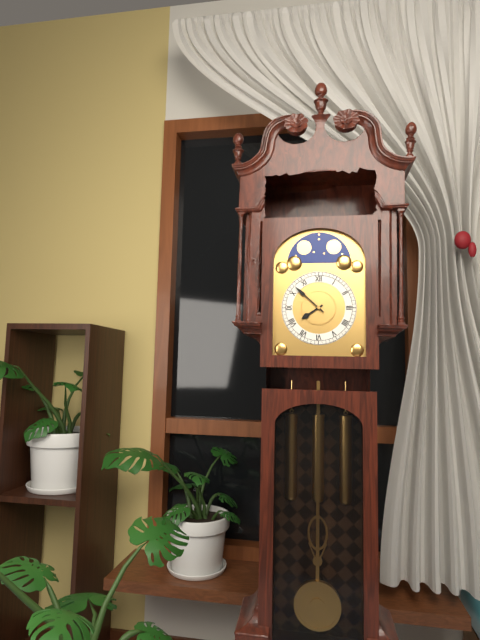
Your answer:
7:52
